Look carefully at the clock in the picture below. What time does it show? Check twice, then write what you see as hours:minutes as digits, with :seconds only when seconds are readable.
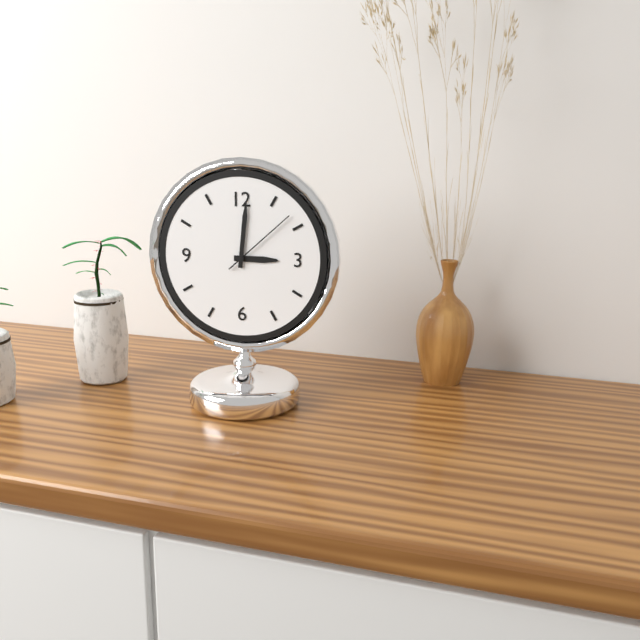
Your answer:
3:01:08
